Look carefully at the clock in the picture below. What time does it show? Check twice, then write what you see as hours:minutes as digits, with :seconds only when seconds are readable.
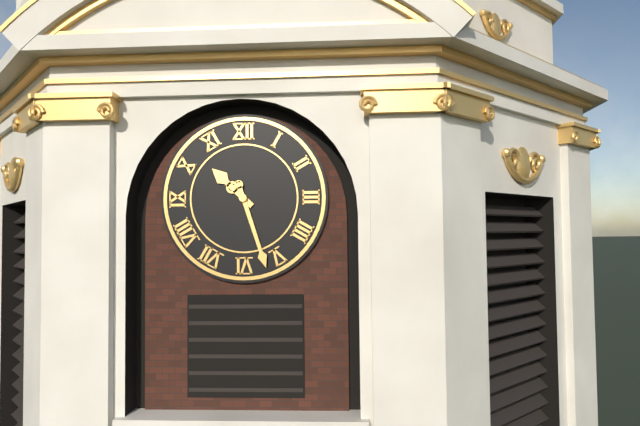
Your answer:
10:27
